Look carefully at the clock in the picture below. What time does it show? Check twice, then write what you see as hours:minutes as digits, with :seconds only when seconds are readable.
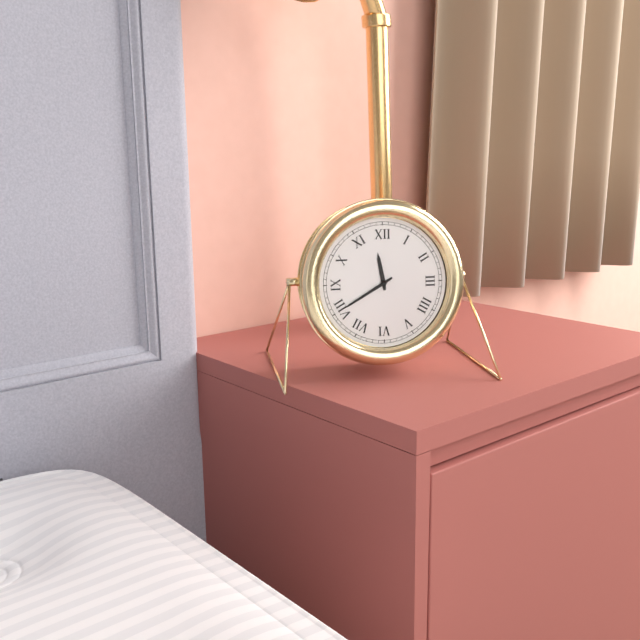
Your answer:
11:40
